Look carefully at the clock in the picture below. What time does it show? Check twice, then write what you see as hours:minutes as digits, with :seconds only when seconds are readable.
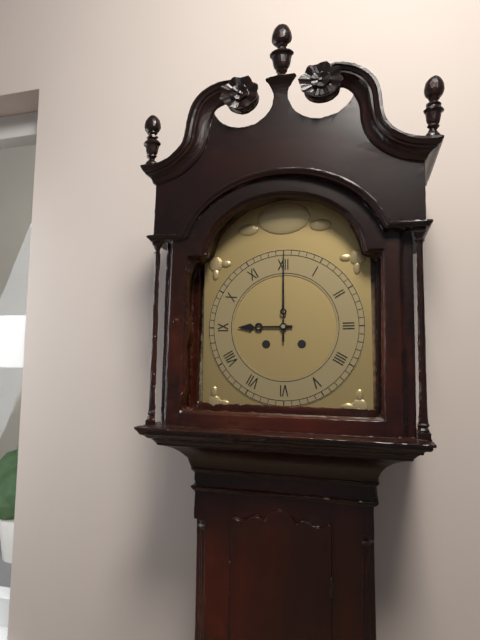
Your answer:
9:00
